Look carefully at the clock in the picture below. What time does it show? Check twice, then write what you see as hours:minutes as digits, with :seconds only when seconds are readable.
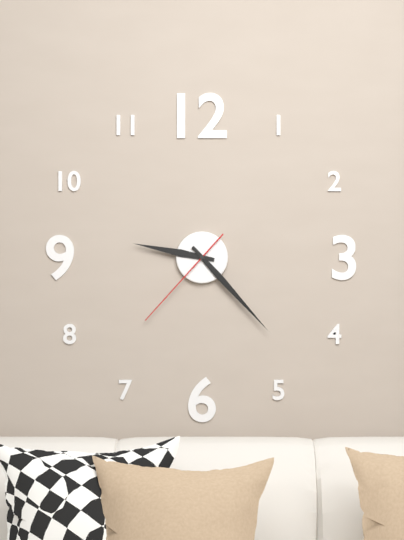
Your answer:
9:23:37
